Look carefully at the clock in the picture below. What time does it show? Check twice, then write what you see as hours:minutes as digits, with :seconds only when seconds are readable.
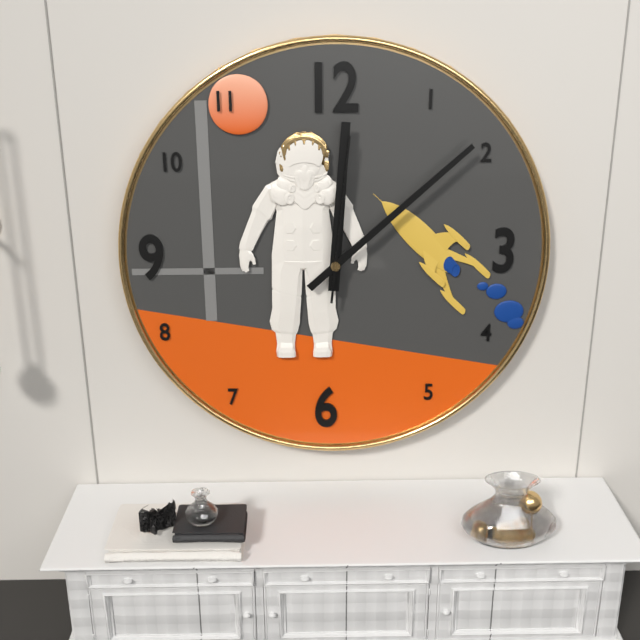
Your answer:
12:08:01
